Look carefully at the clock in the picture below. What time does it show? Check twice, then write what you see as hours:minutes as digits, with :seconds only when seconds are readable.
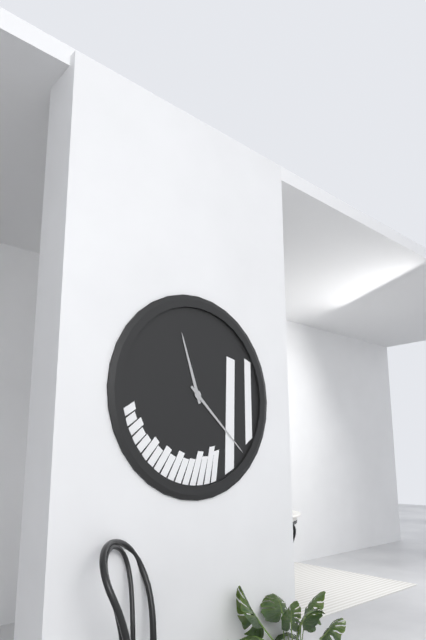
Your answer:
11:22
